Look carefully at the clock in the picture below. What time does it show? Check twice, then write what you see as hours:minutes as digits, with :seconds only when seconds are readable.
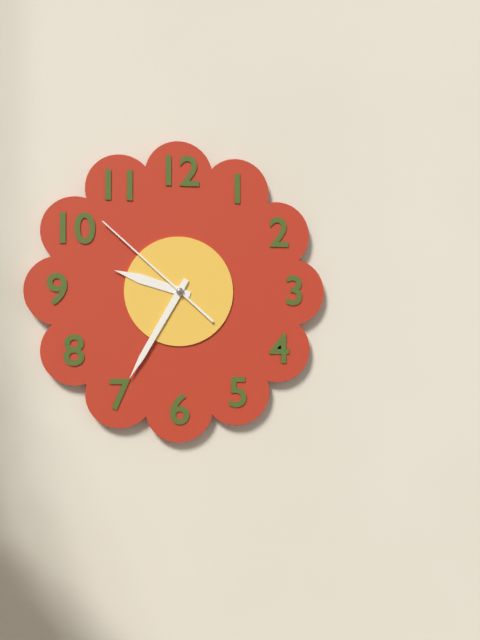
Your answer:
9:35:52
